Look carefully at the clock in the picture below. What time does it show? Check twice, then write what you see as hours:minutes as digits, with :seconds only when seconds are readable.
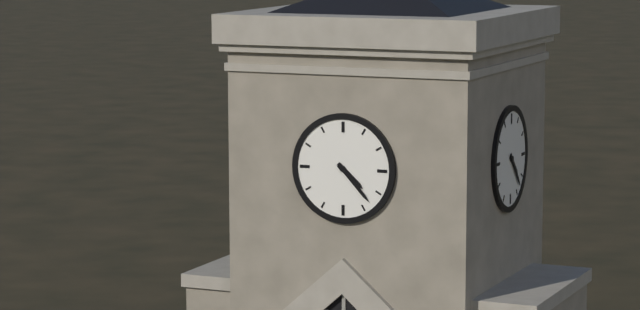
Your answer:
4:23
